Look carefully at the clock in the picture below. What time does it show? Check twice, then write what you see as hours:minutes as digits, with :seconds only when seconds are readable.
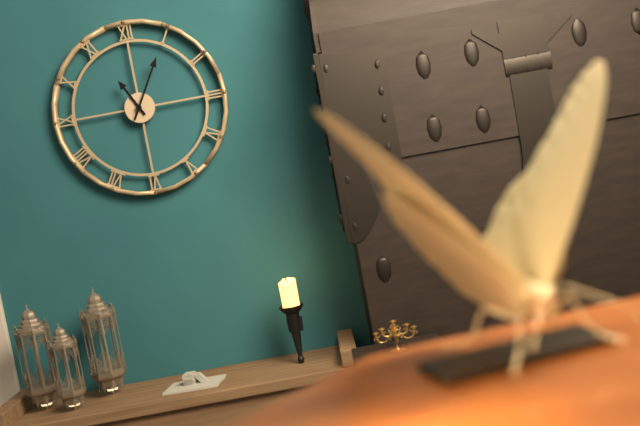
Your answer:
11:05
